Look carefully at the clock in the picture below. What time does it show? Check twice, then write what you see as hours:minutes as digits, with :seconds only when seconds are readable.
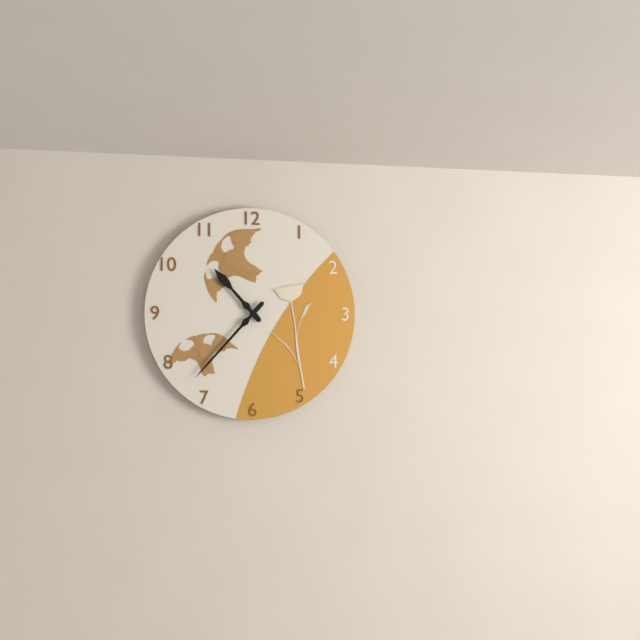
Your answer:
10:37
